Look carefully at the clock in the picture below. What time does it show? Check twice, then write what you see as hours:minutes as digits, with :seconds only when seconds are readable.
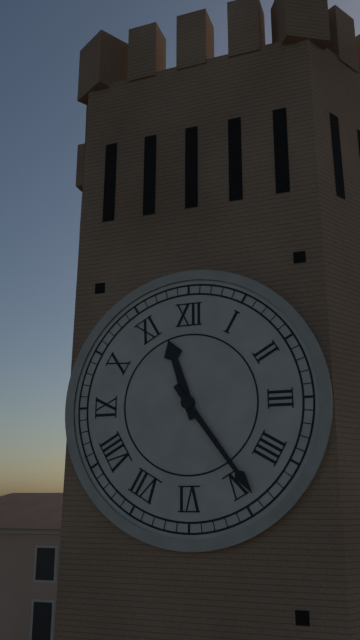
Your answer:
11:24
